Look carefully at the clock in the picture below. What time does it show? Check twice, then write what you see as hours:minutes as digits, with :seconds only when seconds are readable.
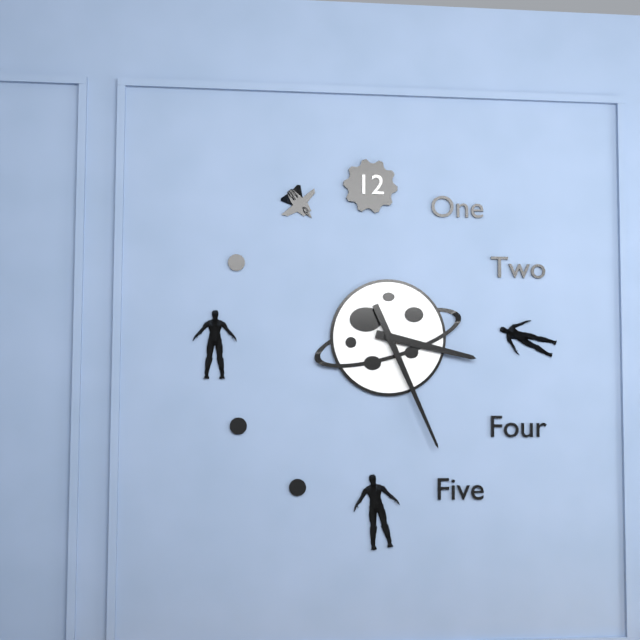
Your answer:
3:26
